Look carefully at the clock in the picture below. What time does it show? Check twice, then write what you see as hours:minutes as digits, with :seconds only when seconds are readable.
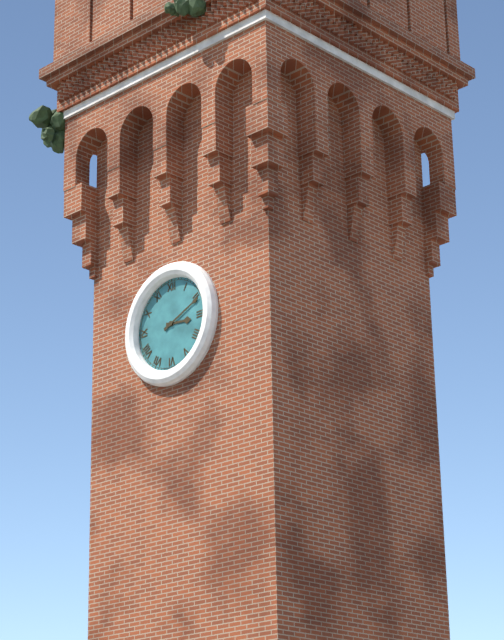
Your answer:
3:11
